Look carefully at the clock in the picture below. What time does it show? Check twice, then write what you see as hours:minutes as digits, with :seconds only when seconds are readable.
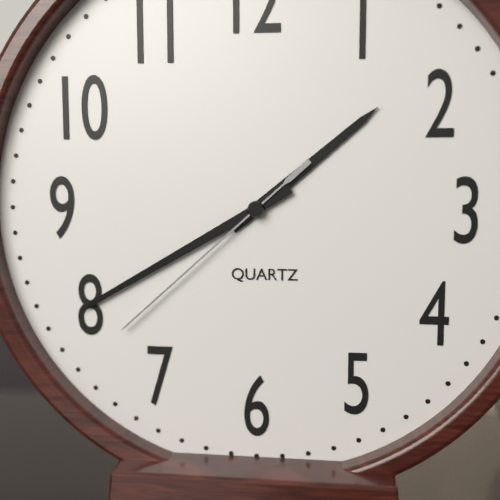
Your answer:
1:40:38
